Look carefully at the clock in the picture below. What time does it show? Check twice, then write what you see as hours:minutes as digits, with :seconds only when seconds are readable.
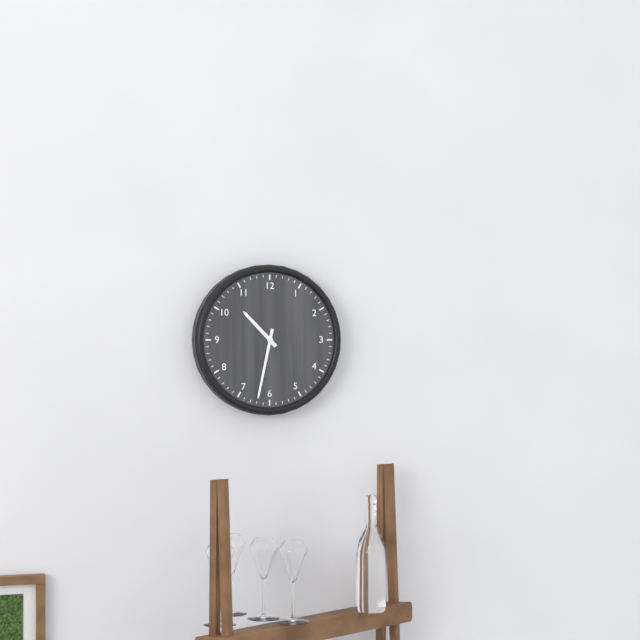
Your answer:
10:32
